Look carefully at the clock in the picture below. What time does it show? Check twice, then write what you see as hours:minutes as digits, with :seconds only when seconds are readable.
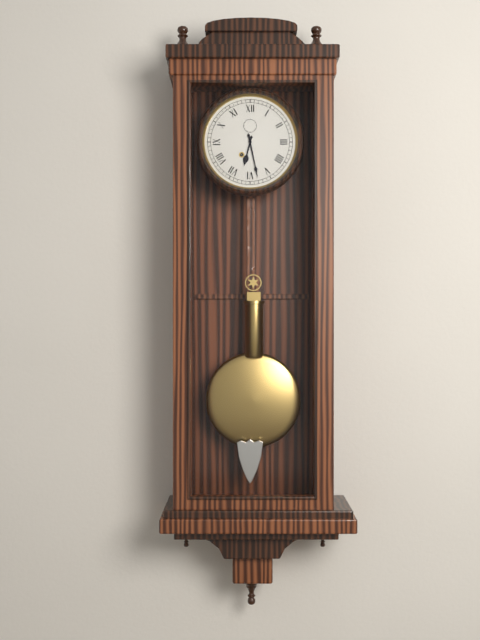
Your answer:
6:28
